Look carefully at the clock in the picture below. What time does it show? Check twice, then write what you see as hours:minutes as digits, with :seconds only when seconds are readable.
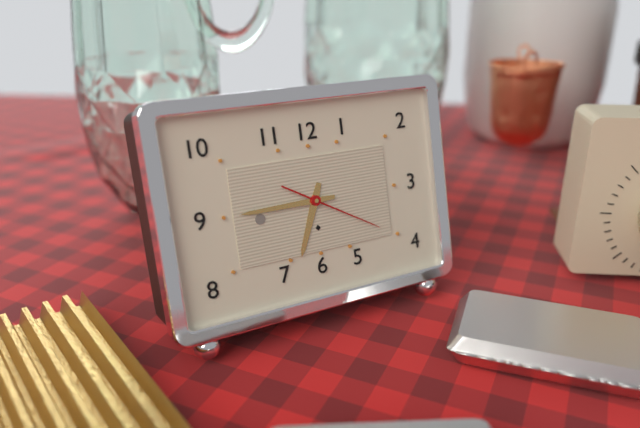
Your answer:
6:45:20
